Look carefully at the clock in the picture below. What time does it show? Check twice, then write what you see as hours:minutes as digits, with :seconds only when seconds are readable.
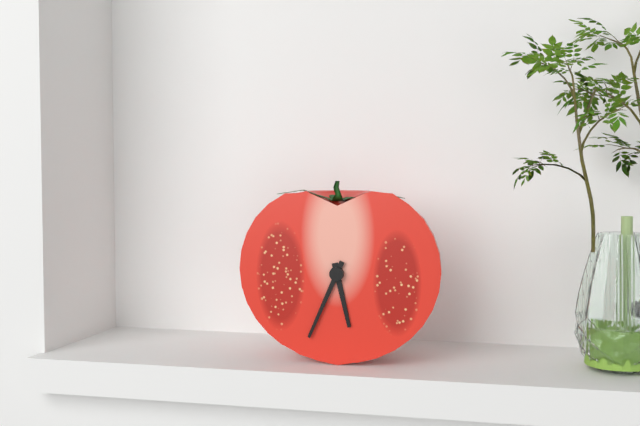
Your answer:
5:34
